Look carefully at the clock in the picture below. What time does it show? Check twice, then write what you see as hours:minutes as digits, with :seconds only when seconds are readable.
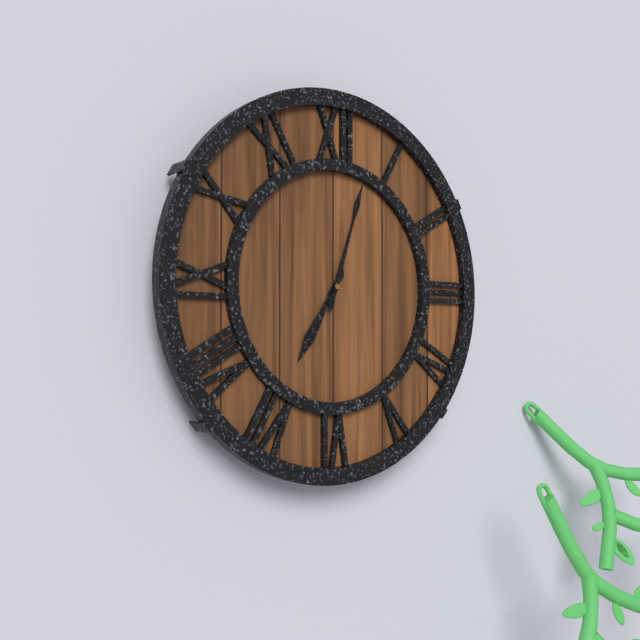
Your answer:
7:03
